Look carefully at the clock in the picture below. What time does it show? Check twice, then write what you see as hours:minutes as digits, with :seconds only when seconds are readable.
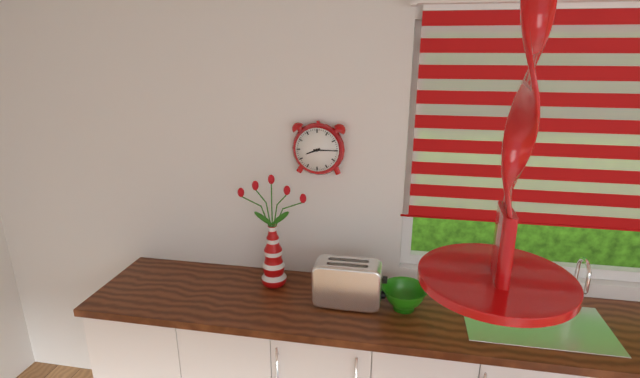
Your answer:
8:15
